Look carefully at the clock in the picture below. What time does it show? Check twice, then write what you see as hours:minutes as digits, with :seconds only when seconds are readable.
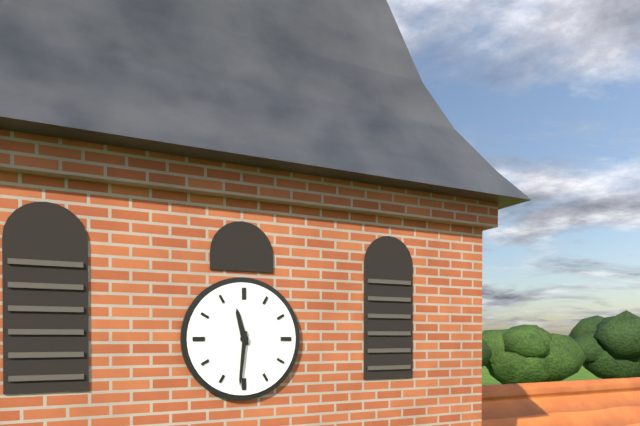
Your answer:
11:31
